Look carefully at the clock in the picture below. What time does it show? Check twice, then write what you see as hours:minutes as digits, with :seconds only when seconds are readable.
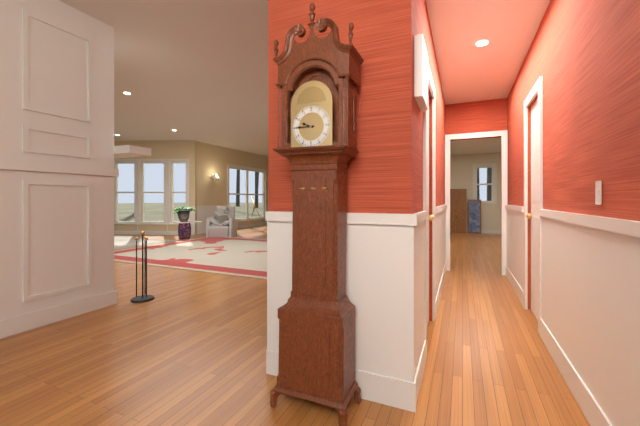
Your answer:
9:45
